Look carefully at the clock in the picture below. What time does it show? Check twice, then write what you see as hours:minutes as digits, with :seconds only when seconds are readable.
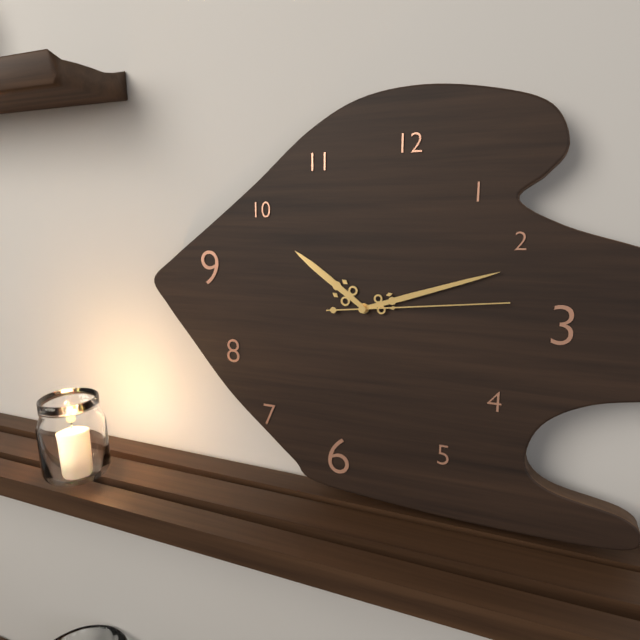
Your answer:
10:12:14
